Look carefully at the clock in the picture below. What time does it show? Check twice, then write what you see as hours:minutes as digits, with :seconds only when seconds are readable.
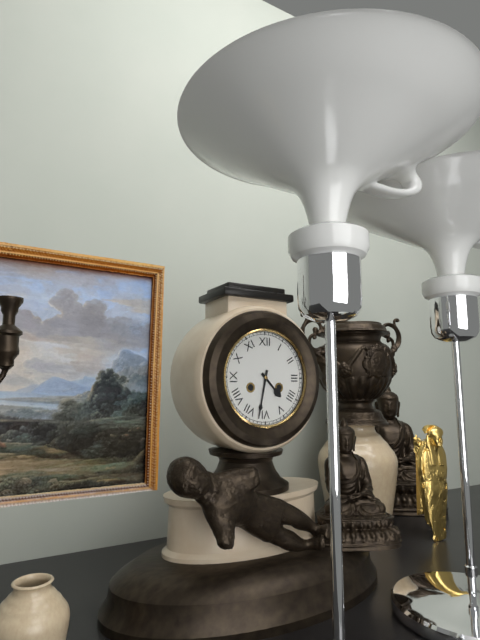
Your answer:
4:32
